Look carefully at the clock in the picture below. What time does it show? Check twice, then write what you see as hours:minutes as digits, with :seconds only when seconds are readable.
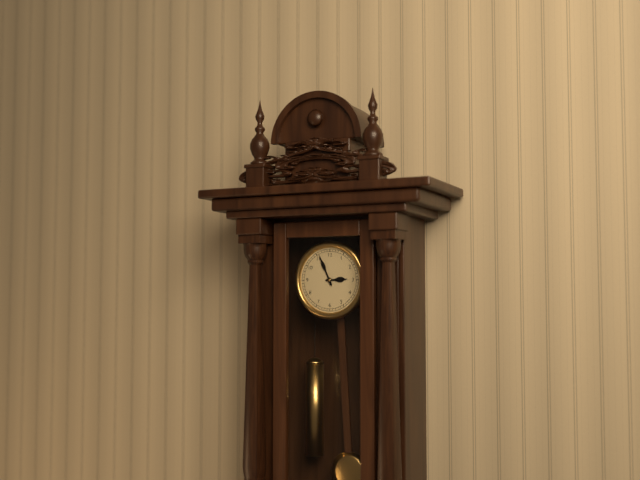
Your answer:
2:56
